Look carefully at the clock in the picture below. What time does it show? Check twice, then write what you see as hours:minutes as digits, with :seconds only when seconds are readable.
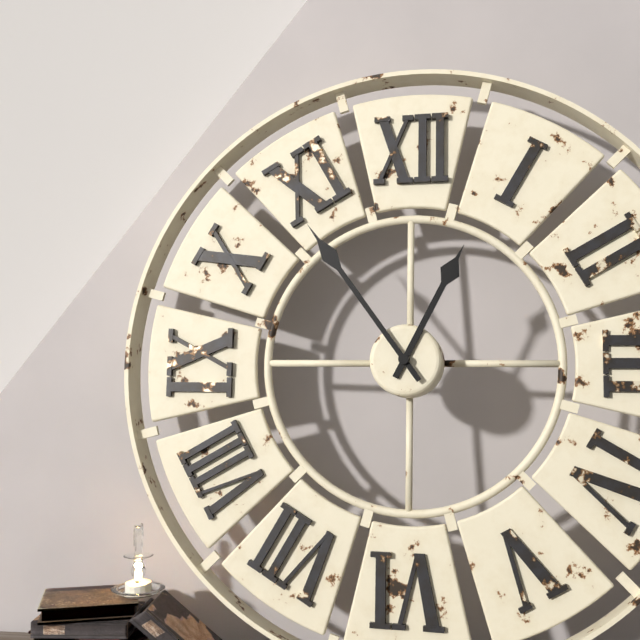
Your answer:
12:54
